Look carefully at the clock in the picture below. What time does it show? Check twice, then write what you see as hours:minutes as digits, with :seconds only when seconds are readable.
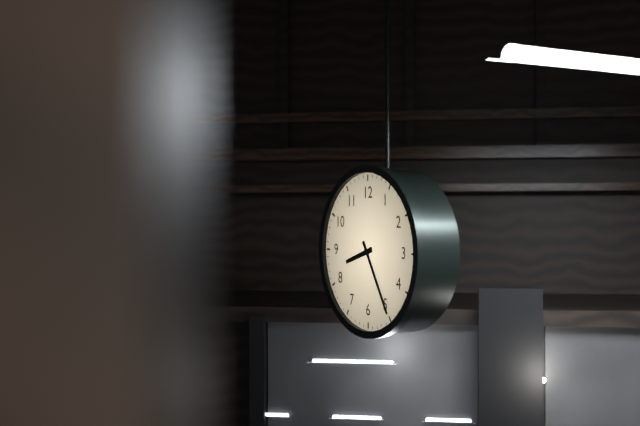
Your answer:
8:25
